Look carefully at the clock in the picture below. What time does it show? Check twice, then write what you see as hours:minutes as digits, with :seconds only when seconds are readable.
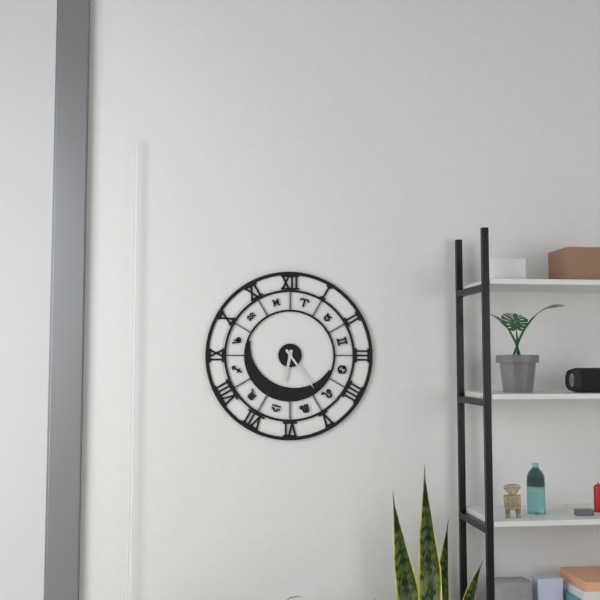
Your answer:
6:24
